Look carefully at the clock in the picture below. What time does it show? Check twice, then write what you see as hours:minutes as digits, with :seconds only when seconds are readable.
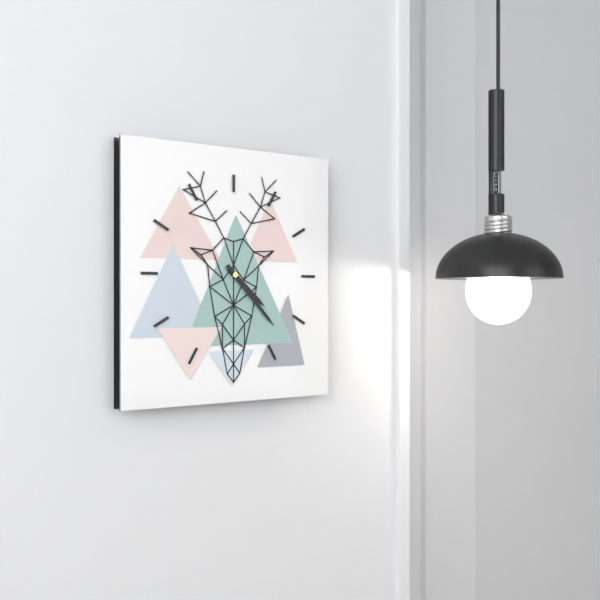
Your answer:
4:23
